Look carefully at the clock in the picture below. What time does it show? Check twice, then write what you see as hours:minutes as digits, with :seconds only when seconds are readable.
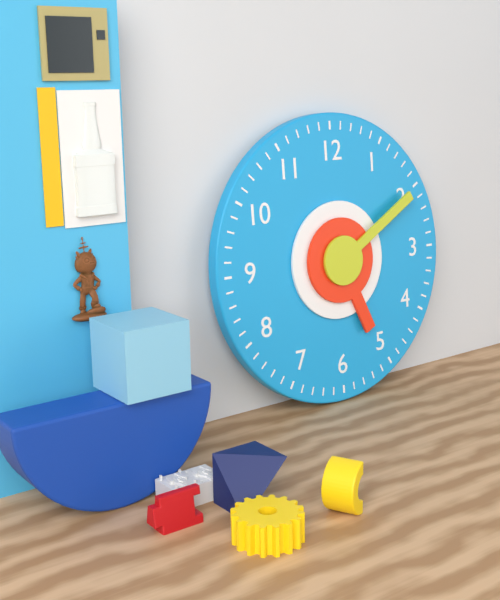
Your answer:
5:10
